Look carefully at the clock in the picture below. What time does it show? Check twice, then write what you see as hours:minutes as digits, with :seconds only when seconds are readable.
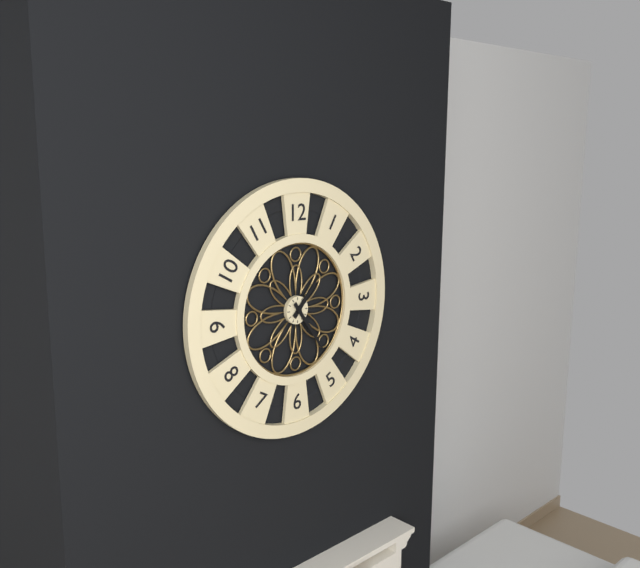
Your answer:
1:24
